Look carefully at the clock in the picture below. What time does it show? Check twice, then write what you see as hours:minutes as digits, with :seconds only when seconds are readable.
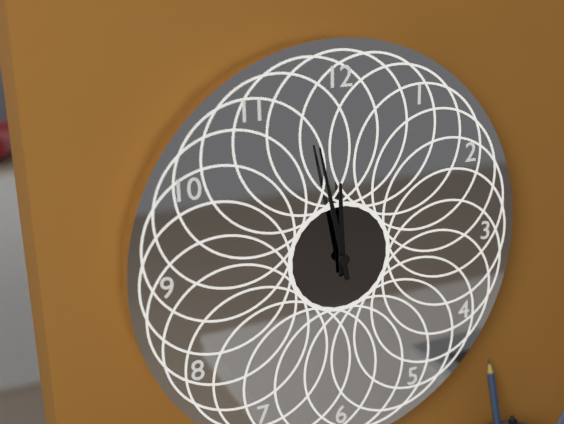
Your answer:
11:58
